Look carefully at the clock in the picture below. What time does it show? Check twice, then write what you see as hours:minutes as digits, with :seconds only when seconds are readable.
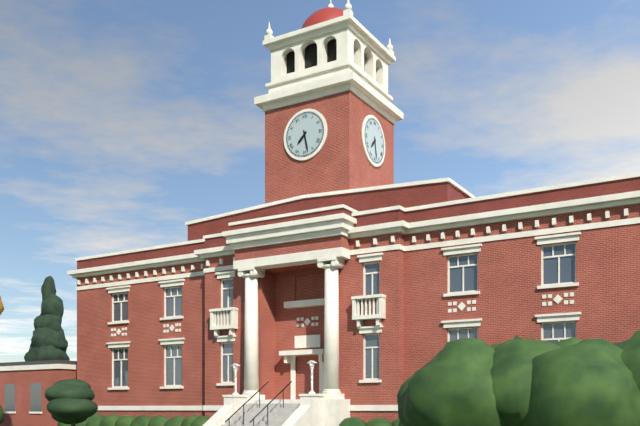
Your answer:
7:28
